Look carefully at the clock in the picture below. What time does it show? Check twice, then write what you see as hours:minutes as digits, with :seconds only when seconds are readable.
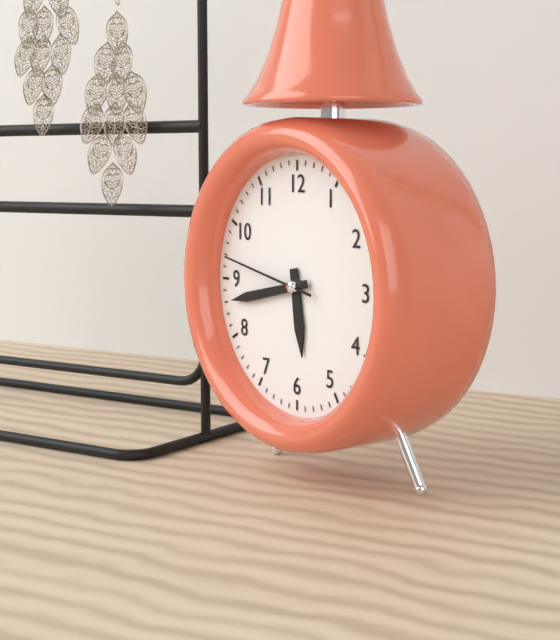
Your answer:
5:43:47
